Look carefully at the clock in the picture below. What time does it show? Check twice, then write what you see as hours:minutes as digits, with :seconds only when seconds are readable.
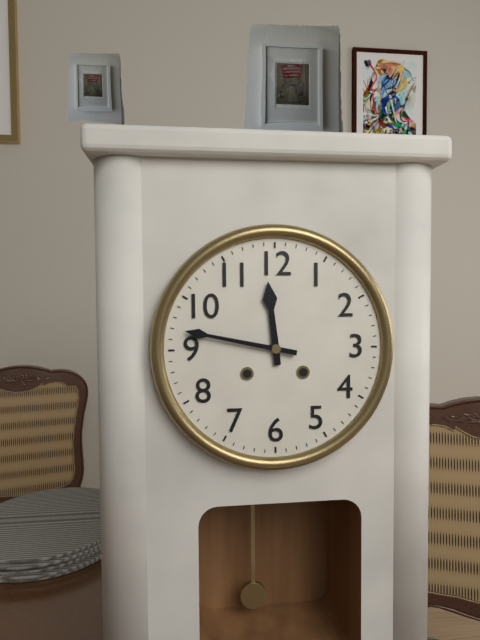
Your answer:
11:47
